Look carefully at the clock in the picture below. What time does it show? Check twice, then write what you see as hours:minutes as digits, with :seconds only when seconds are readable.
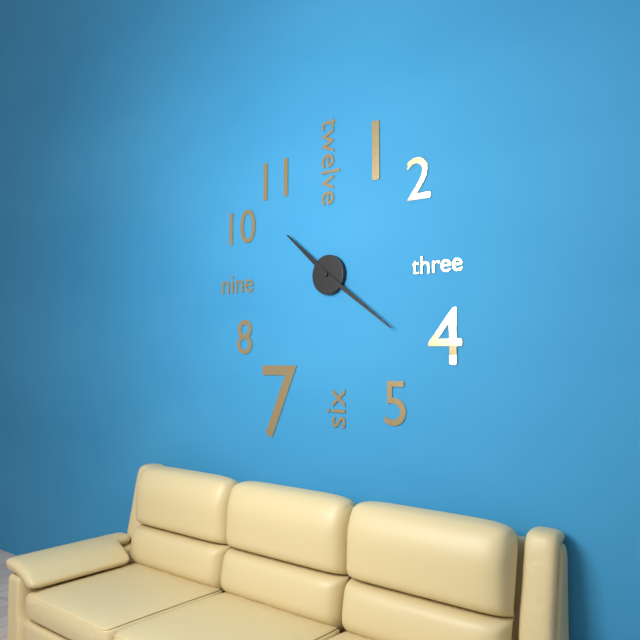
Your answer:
10:21
